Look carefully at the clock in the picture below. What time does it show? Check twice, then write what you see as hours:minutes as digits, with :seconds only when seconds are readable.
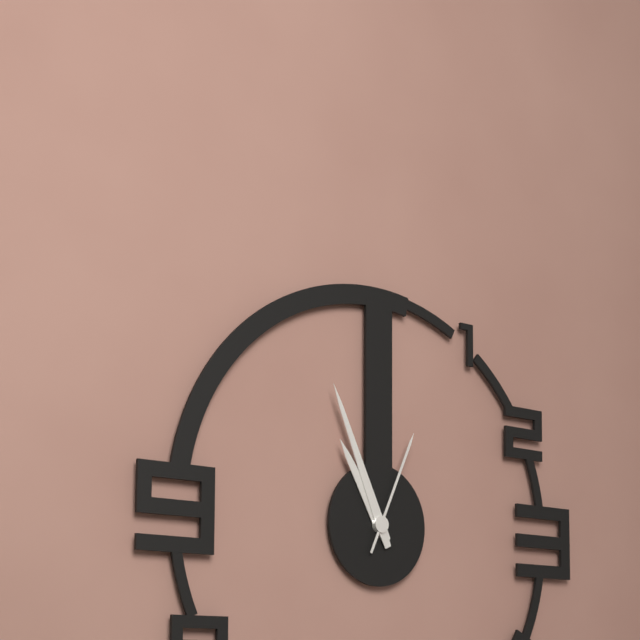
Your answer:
10:56:04
